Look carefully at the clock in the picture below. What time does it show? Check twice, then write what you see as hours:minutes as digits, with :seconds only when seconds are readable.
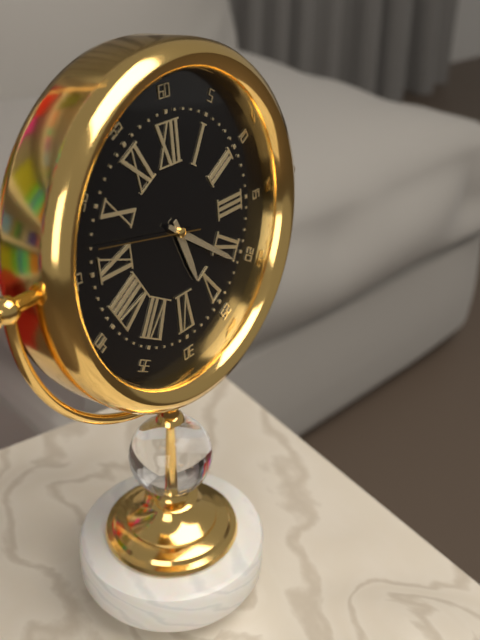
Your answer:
5:21:47
